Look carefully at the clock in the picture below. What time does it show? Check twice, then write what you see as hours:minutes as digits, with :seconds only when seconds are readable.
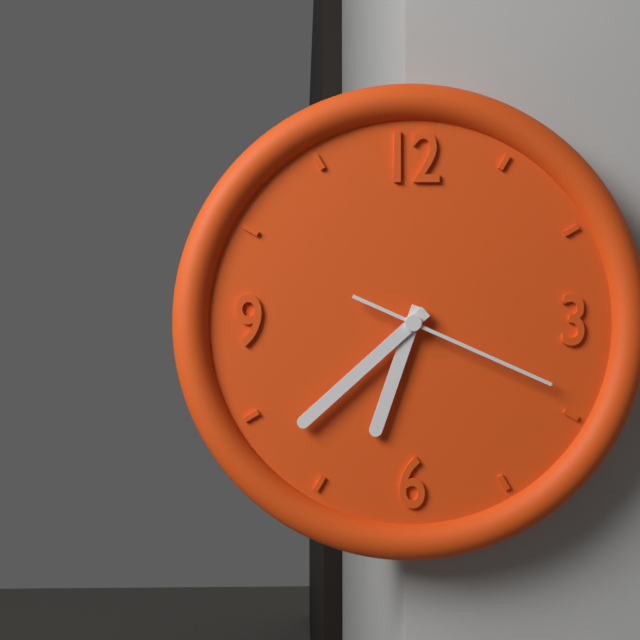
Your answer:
6:38:19
